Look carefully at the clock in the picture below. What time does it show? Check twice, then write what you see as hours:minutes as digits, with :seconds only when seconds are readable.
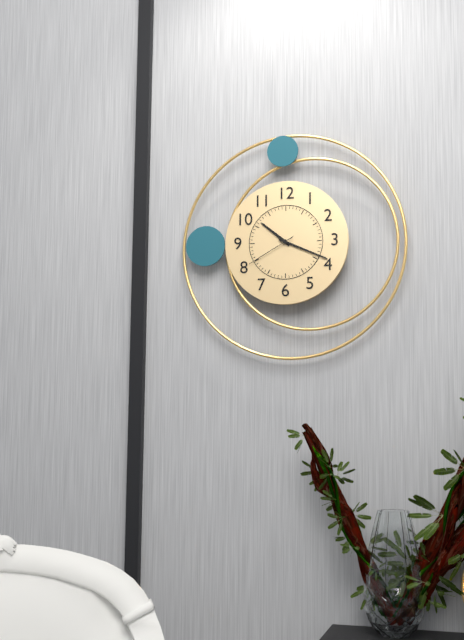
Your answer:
10:19:40
